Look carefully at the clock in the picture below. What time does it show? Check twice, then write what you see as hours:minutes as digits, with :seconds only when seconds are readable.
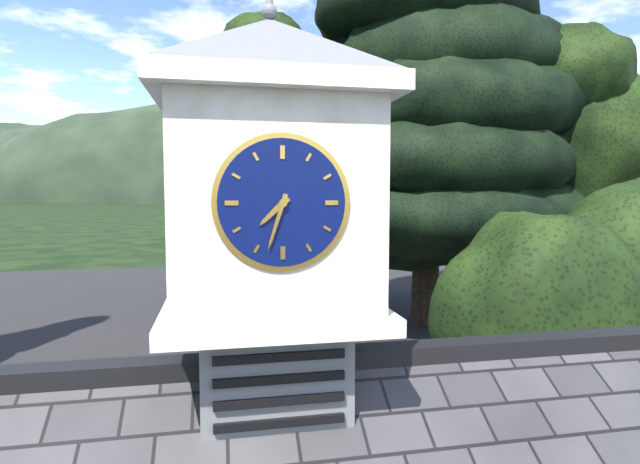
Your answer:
7:33
